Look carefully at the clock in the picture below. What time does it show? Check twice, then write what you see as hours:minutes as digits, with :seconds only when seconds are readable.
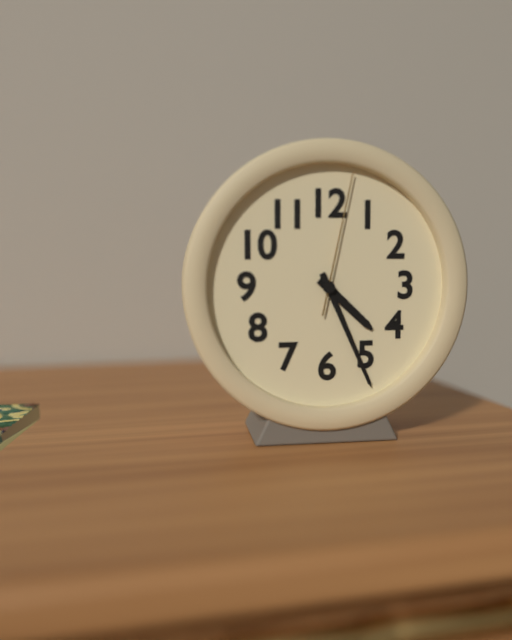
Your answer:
4:26:02
